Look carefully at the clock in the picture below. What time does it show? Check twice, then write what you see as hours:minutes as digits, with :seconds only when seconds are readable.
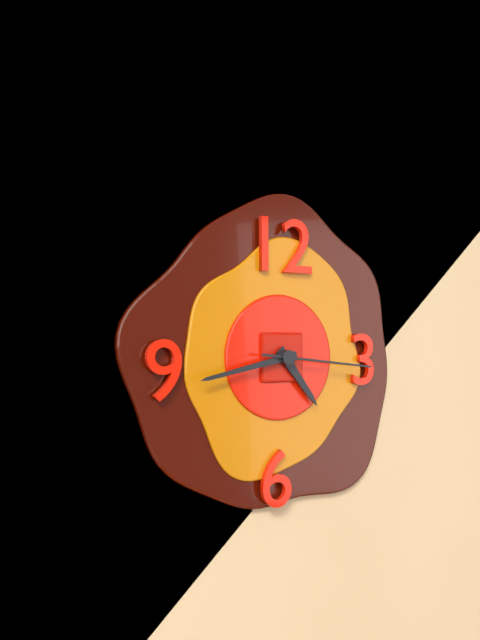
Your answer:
4:43:16
